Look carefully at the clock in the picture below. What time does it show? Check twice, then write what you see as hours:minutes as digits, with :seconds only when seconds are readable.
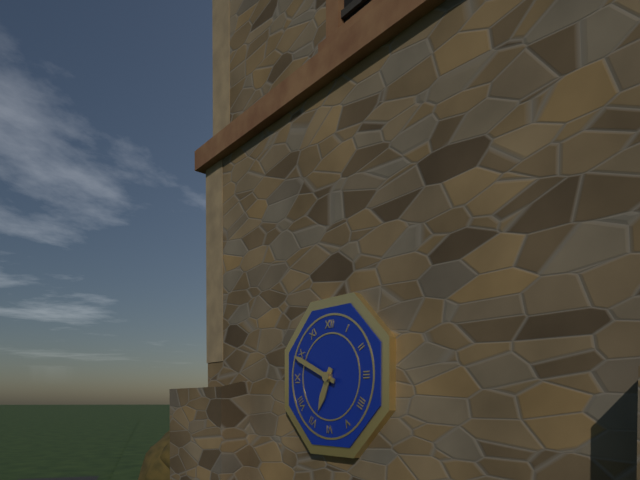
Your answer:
6:49
